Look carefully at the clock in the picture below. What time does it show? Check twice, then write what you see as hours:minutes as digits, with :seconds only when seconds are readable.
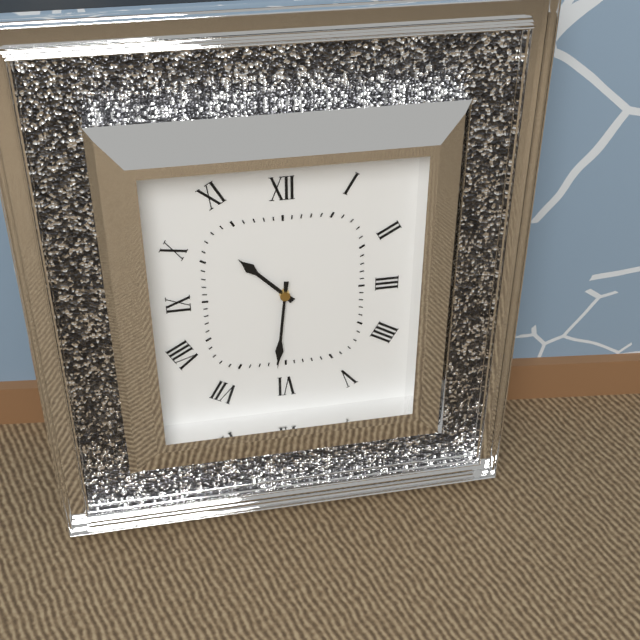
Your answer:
10:31
